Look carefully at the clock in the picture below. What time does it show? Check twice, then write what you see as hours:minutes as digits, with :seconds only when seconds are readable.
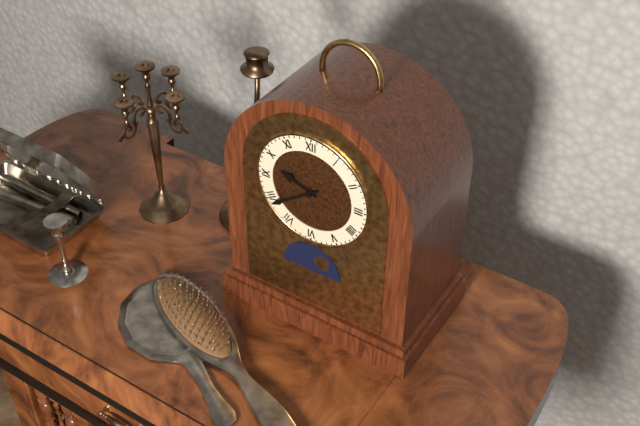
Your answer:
9:39
